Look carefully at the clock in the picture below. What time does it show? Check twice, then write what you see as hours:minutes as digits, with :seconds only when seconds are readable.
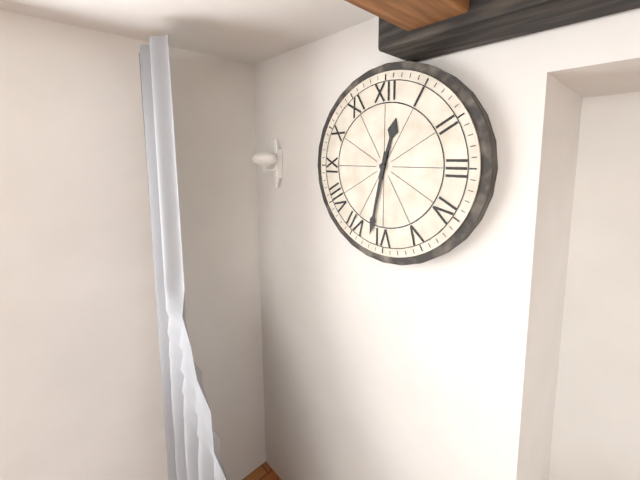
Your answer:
12:32
